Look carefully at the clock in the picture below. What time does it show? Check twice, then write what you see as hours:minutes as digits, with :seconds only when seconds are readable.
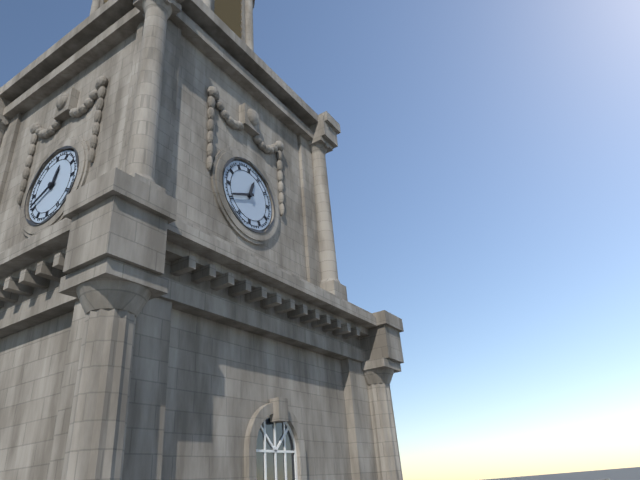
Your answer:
12:41
